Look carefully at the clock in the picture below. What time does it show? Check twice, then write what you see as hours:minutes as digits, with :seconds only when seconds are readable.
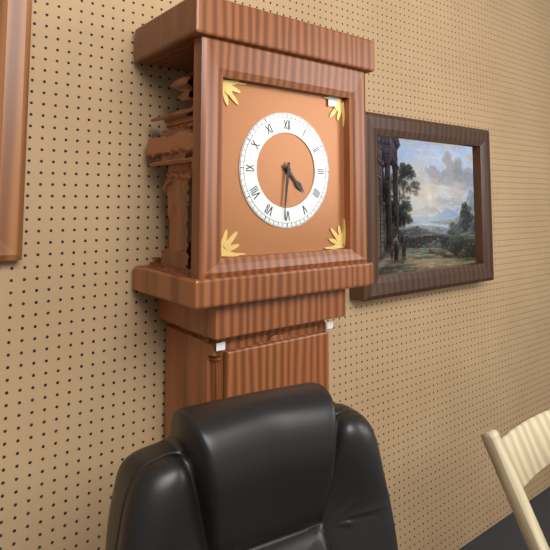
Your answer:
4:31
